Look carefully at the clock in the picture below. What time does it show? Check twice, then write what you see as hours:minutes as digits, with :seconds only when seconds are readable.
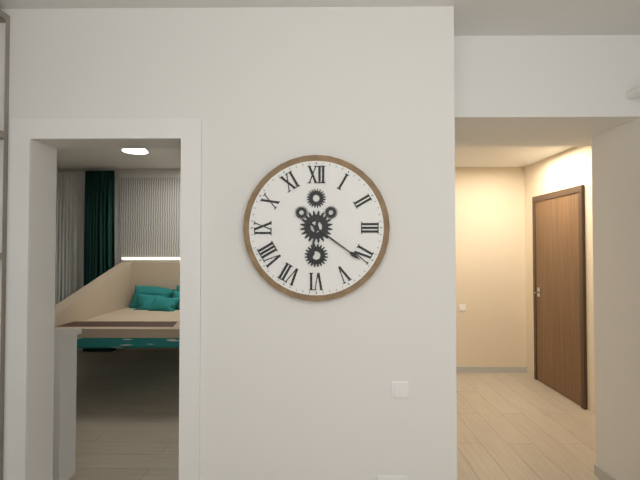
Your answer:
6:21
